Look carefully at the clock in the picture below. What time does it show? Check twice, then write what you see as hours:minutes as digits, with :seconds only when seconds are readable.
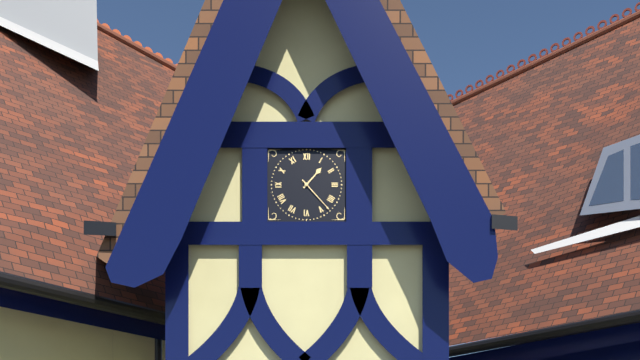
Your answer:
1:23
